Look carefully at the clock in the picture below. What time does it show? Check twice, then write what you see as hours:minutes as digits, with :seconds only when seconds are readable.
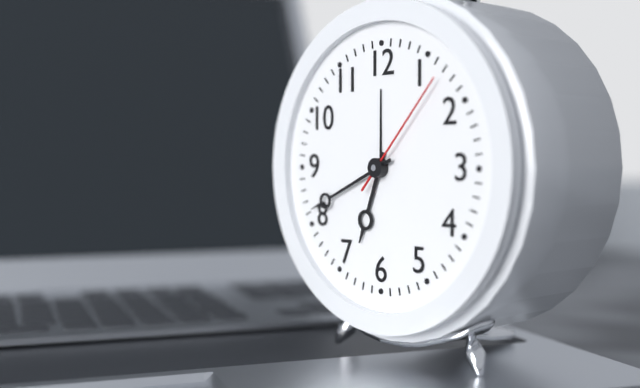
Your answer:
6:41:07
